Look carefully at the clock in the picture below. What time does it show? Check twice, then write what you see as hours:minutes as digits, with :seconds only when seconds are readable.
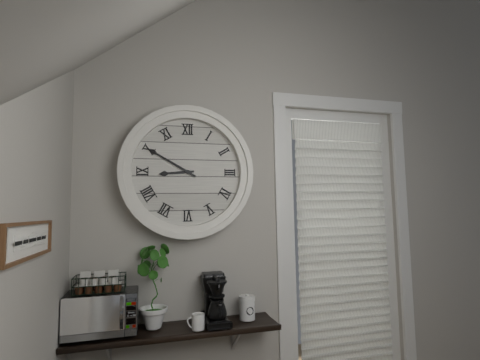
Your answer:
8:50
